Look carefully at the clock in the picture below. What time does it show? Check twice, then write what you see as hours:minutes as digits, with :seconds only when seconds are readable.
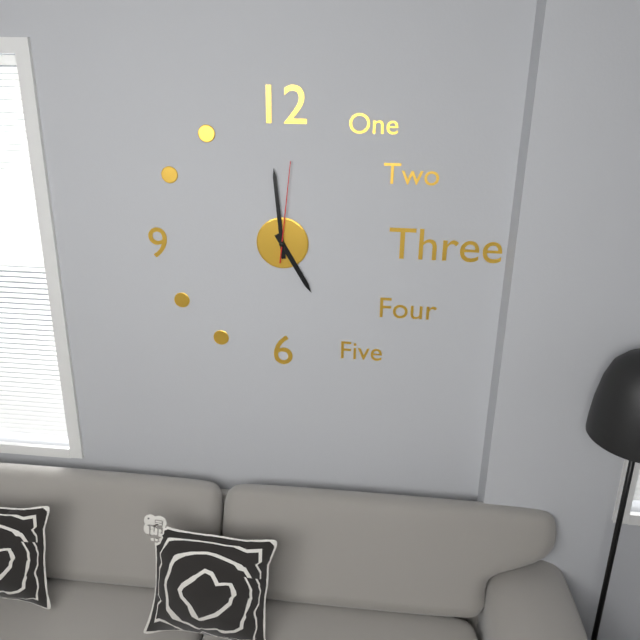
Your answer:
4:59:01
